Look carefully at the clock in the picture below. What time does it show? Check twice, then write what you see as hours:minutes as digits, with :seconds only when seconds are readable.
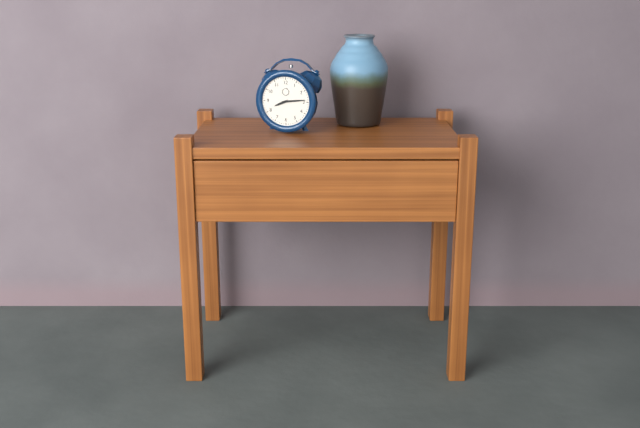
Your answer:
8:14
